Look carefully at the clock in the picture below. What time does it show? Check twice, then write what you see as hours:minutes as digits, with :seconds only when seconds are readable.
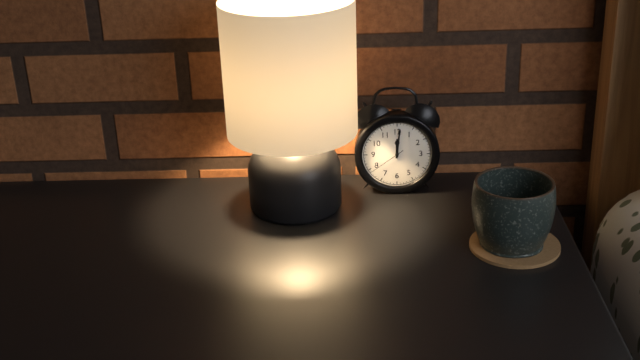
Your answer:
12:01
